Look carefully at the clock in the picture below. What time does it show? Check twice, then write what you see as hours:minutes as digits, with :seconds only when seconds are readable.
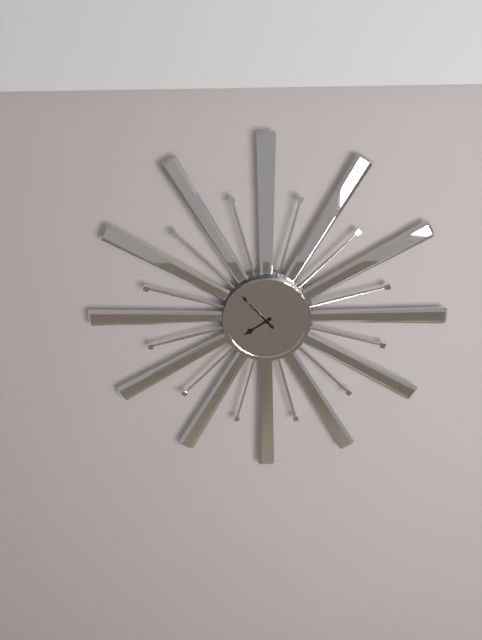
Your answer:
7:53
